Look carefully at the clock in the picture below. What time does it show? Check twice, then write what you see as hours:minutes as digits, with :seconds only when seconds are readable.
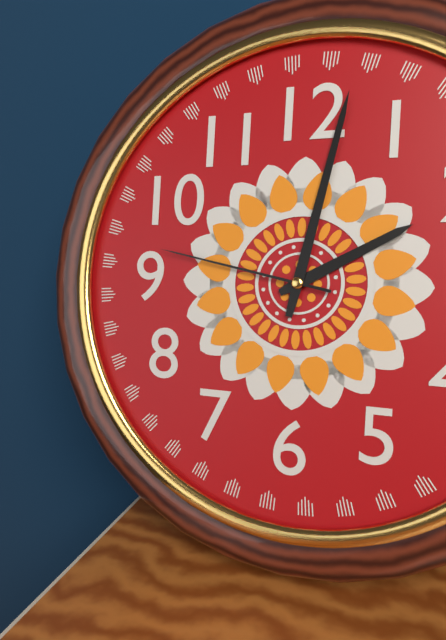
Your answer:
2:02:47
